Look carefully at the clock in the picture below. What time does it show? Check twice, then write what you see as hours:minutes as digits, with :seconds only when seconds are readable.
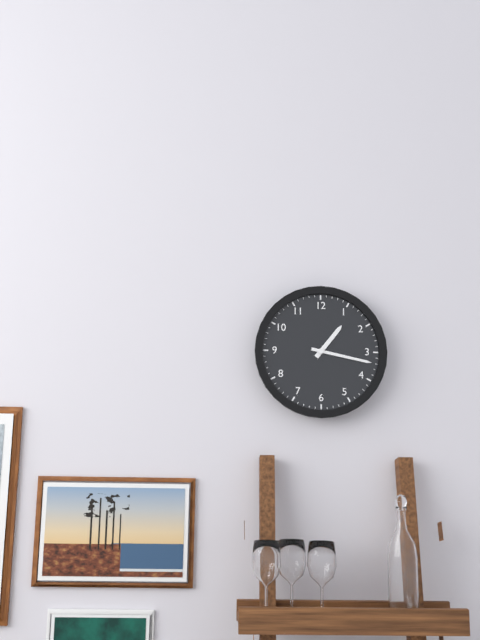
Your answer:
1:17
